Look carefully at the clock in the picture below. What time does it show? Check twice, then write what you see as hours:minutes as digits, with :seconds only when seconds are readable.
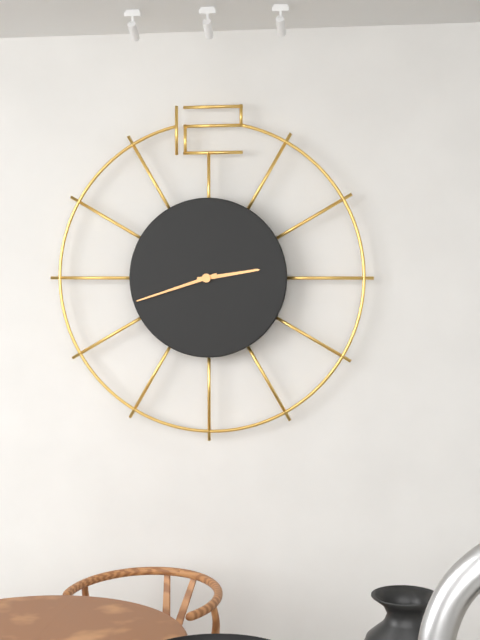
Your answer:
2:42
